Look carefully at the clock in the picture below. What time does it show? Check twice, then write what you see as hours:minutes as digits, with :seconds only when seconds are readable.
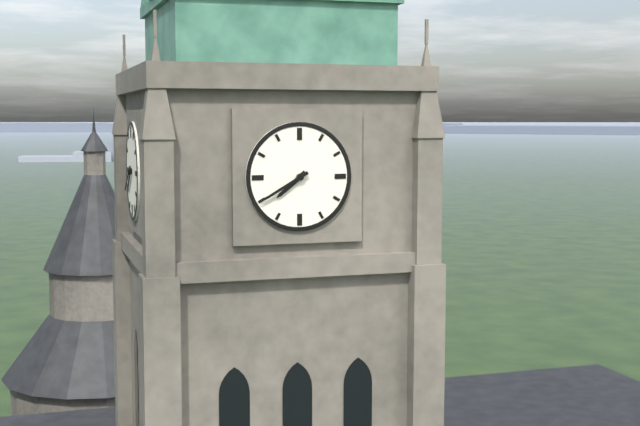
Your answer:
7:40
